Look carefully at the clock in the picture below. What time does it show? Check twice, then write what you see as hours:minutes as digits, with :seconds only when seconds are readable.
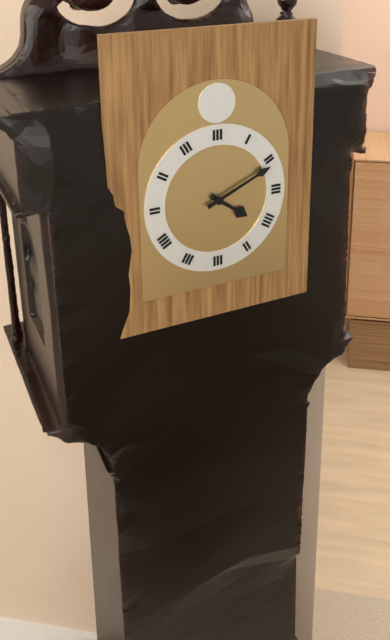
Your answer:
4:11
